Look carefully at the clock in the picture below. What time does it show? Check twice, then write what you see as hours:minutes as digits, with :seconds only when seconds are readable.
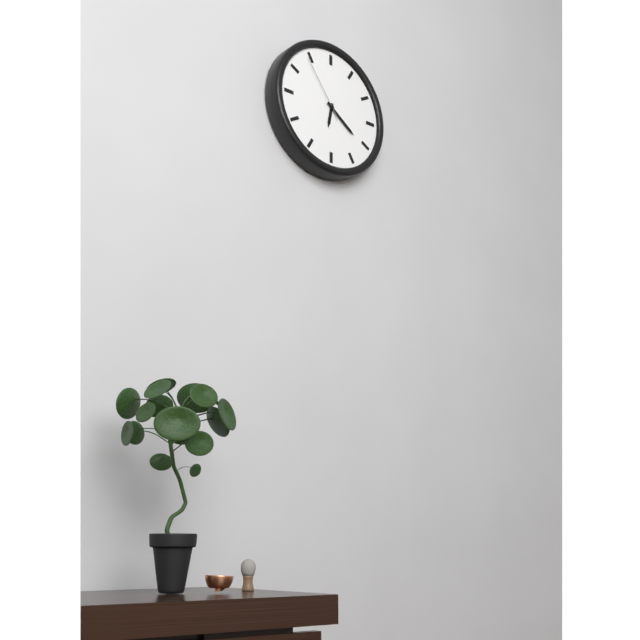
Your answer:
6:21:54
